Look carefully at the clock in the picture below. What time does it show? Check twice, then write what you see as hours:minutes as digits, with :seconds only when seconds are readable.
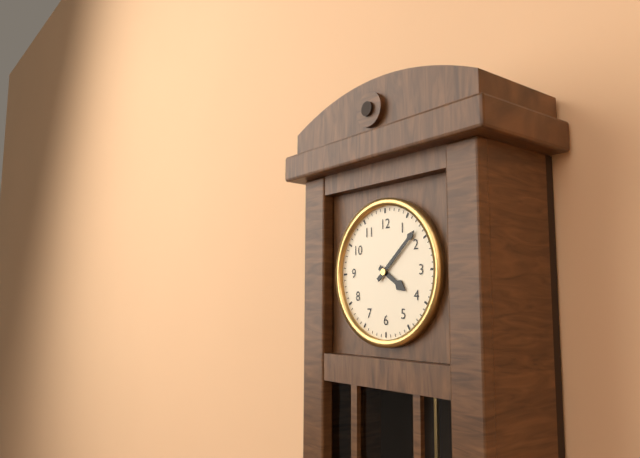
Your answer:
4:08
